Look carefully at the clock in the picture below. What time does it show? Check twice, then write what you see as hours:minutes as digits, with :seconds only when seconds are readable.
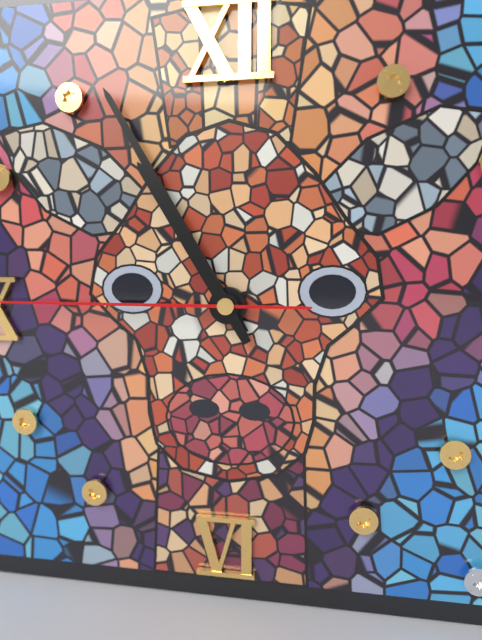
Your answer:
10:55
